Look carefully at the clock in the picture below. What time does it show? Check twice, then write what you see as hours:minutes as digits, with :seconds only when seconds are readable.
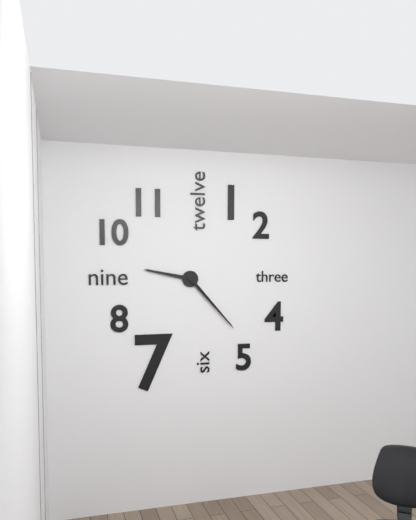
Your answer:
9:23
